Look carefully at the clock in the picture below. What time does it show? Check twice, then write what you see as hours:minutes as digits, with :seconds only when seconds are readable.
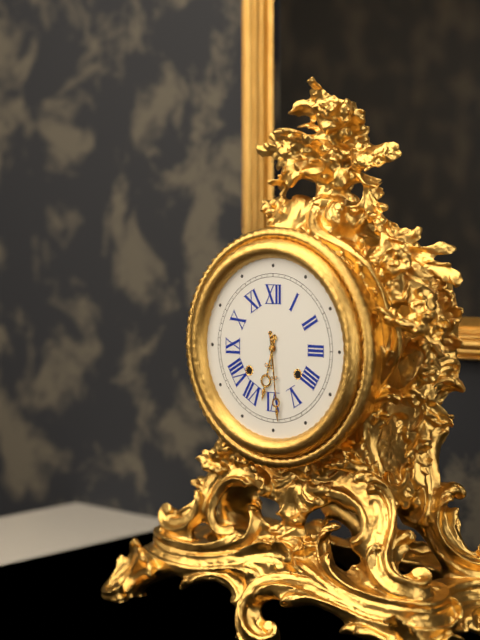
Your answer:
6:29
